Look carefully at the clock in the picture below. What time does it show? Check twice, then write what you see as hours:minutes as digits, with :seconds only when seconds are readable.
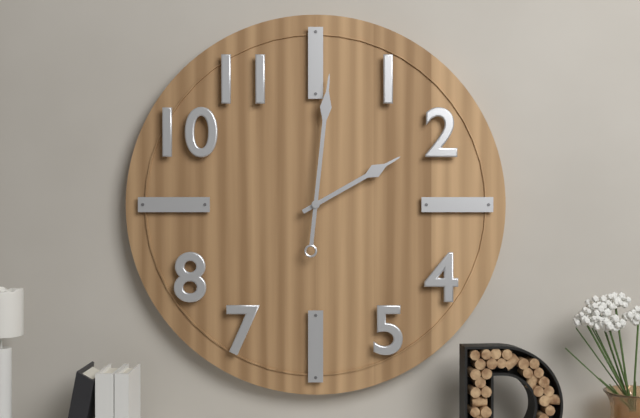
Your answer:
2:01
